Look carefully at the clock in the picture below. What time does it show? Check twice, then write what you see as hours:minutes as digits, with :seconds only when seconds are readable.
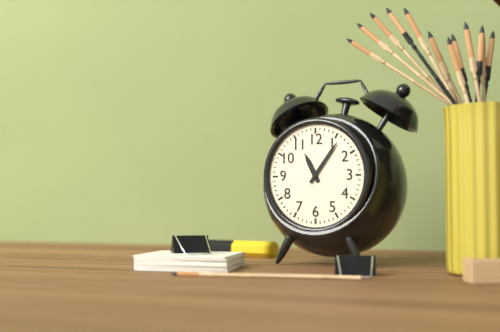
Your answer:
11:06
